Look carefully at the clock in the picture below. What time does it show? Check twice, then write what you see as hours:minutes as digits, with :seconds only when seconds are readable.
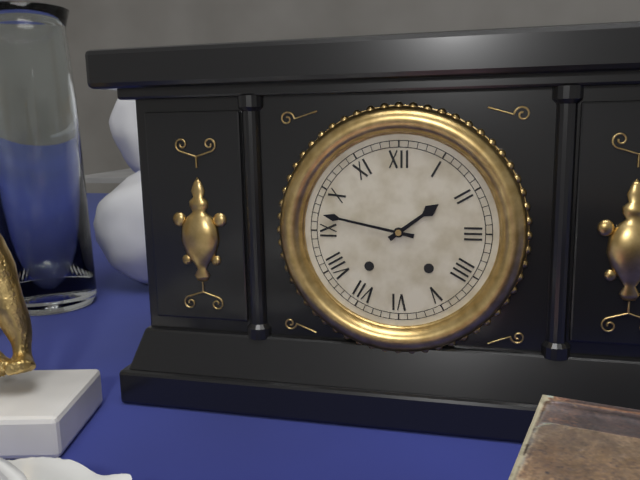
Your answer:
1:47
